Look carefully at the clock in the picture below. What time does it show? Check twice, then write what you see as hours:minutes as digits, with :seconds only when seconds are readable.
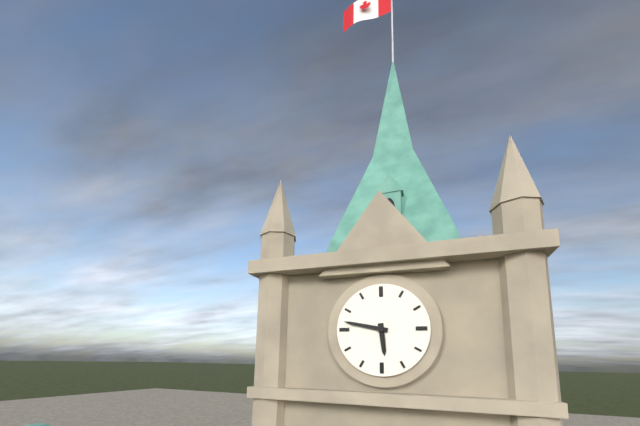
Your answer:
5:47
